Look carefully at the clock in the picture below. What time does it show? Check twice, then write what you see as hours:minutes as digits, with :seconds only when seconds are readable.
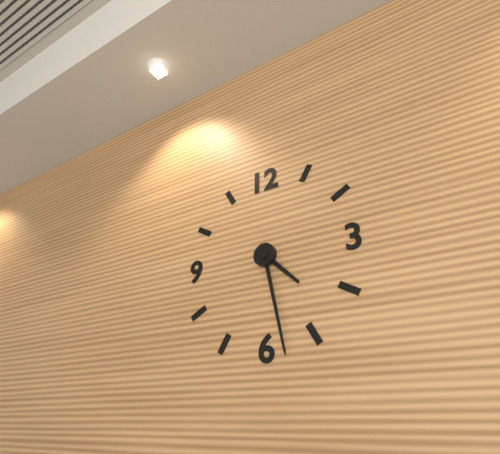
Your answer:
4:28
